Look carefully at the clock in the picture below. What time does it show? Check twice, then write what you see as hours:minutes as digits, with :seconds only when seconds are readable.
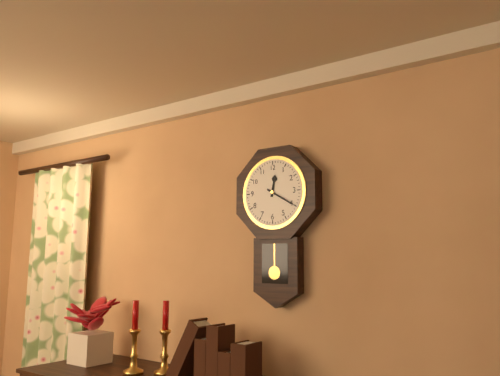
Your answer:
12:20
